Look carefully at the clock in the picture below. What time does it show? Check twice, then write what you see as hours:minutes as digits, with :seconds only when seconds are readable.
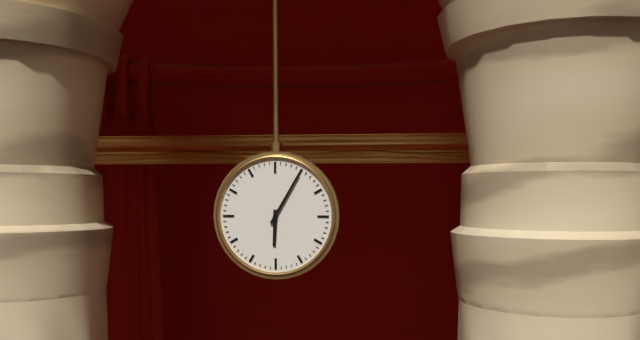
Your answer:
6:05
